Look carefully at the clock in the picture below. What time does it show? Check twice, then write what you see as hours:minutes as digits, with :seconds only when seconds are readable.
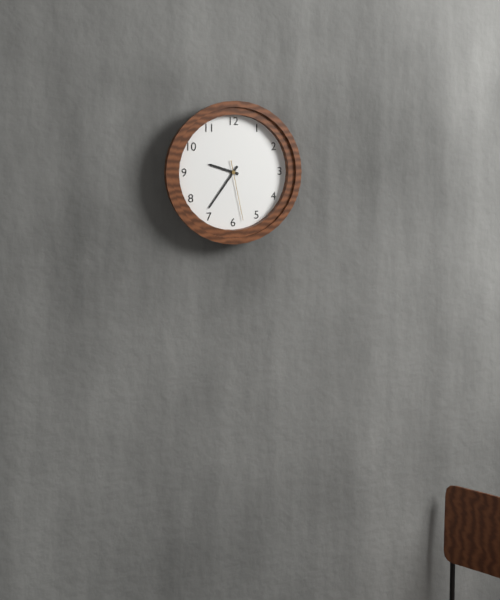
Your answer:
9:36:28
